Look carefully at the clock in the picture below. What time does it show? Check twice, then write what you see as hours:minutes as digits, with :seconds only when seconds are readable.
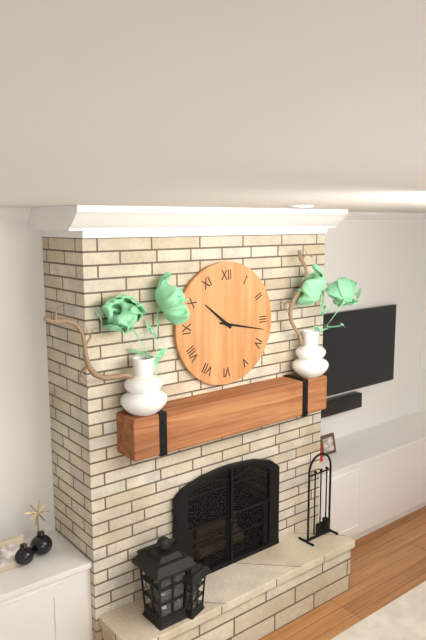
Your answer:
10:17
